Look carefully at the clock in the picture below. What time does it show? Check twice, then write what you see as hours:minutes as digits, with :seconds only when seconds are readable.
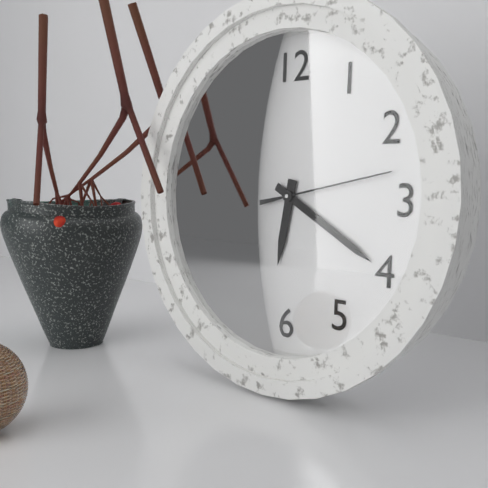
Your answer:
6:20:13
